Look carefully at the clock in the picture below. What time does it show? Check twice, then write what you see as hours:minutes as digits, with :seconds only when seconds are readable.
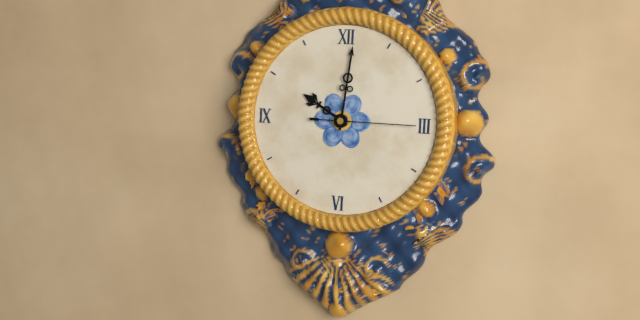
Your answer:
10:01:15
